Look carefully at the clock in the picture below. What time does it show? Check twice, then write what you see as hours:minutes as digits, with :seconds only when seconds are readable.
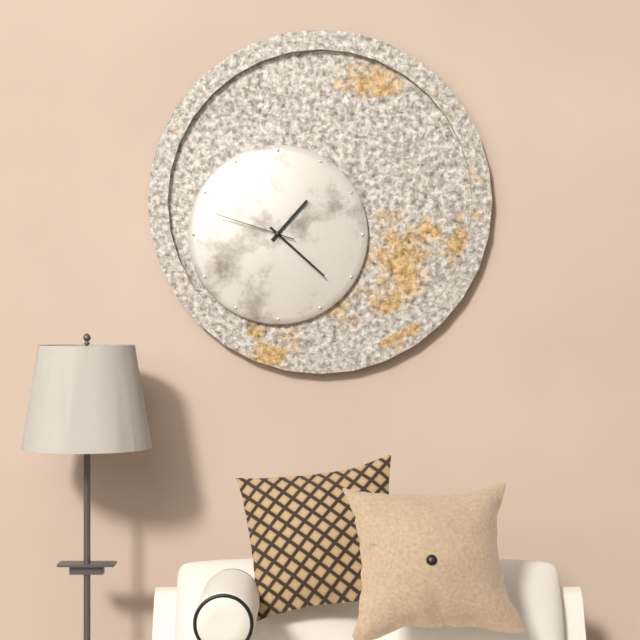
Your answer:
1:22:48
